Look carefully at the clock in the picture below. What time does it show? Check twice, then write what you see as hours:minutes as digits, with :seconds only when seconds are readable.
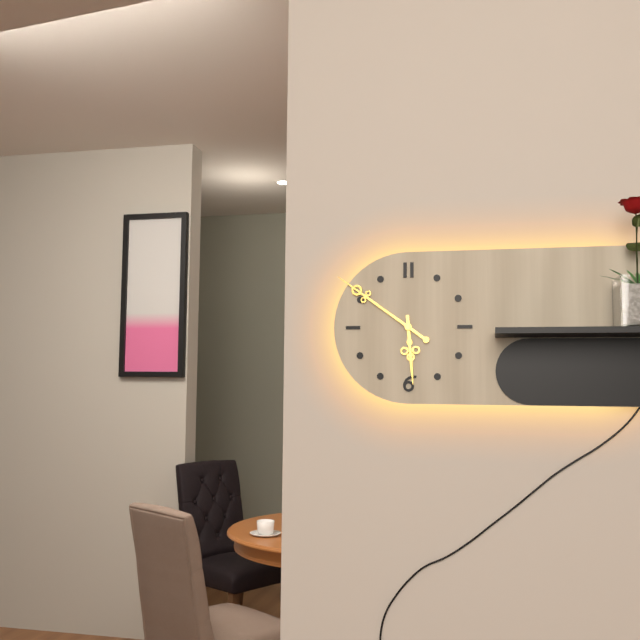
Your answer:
5:51
